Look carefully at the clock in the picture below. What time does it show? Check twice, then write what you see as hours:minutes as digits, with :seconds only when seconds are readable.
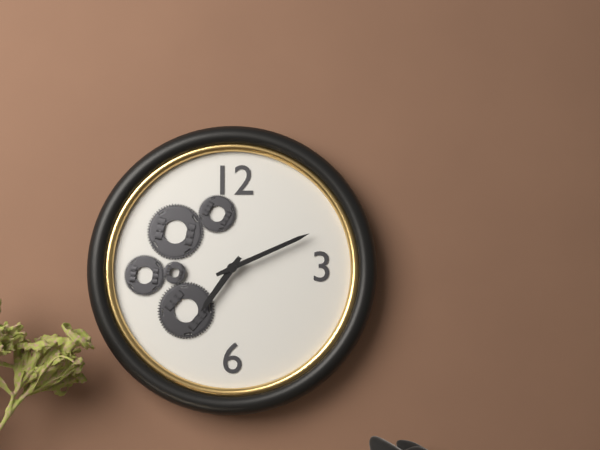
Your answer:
7:11
